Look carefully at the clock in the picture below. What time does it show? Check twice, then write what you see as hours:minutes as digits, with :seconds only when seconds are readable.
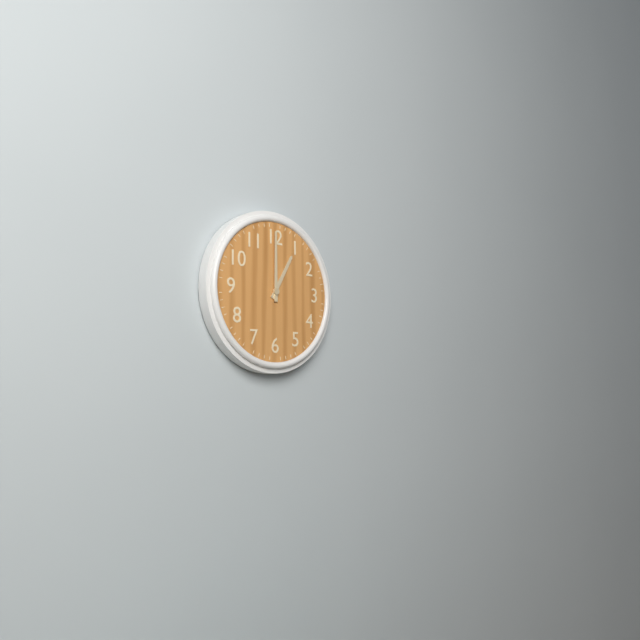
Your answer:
1:00
